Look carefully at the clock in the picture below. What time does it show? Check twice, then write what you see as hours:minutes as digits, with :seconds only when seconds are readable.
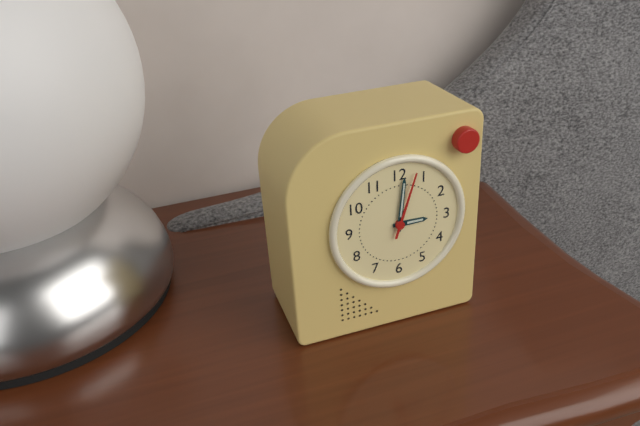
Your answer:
3:01:03
